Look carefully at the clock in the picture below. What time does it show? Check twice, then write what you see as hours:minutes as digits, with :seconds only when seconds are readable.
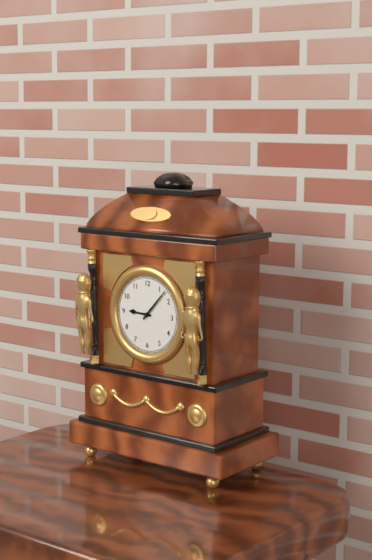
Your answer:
9:07
